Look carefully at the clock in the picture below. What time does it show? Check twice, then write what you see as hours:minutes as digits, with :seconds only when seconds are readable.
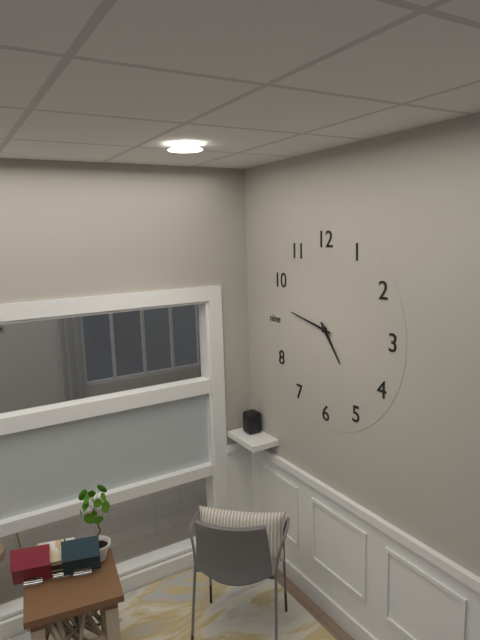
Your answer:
4:47
